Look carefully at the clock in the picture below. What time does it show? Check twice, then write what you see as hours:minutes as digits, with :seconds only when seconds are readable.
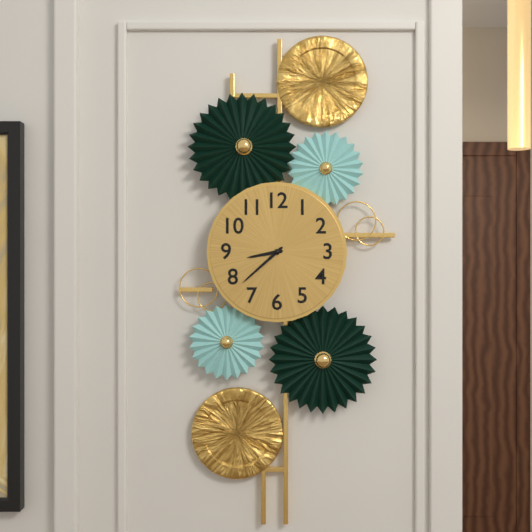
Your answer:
8:38
